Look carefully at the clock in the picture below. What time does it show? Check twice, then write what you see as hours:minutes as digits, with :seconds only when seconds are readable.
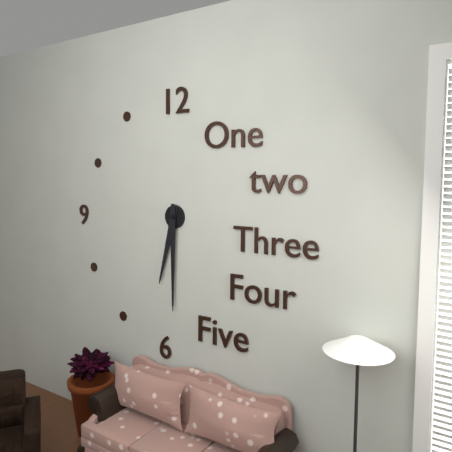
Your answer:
6:30
